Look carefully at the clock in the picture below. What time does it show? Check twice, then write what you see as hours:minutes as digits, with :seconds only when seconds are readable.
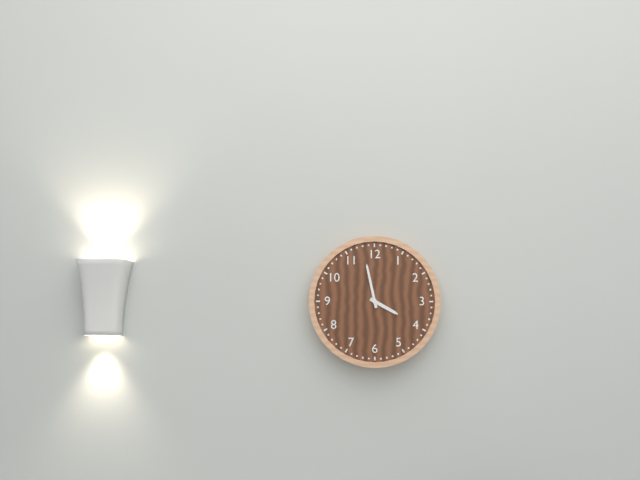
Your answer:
3:58
